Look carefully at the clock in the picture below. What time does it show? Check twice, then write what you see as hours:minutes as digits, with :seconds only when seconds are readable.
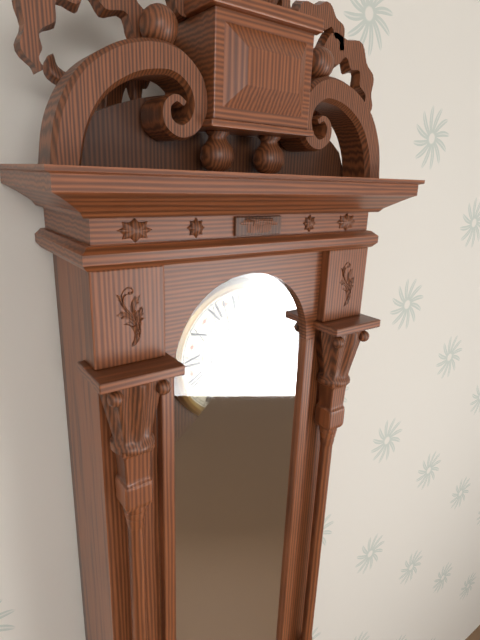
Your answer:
4:57
